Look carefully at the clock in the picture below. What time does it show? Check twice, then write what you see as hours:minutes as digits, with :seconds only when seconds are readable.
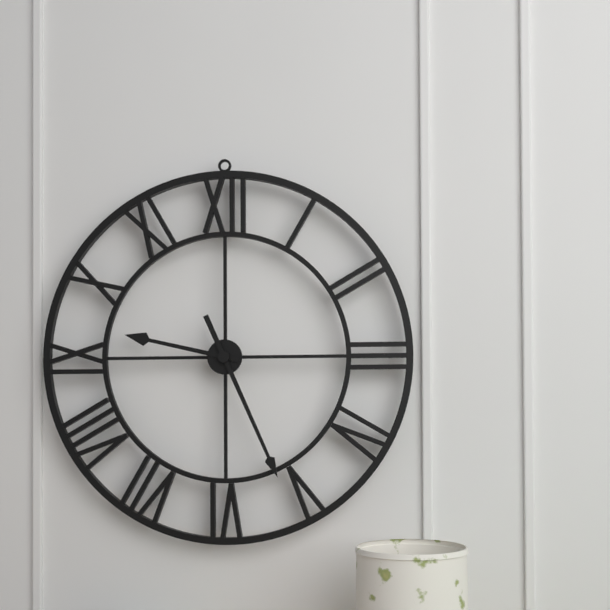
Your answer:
9:26
